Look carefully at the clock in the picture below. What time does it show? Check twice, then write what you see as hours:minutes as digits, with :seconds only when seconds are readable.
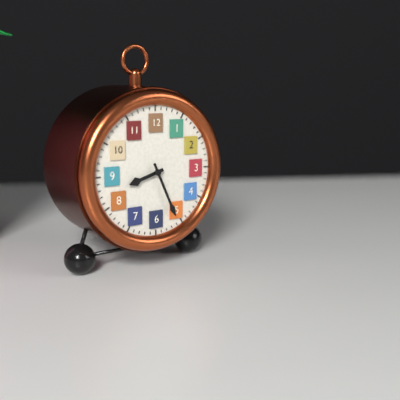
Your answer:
8:26
